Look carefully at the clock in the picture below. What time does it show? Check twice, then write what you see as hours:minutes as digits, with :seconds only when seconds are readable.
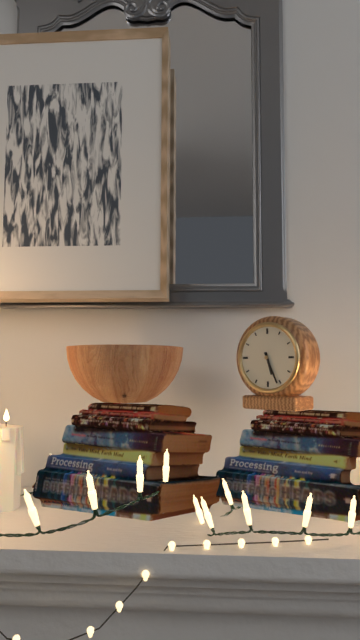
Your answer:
5:26
